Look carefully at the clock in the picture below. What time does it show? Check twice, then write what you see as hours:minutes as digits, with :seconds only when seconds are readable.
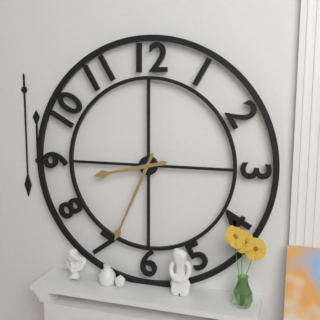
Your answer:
8:34
